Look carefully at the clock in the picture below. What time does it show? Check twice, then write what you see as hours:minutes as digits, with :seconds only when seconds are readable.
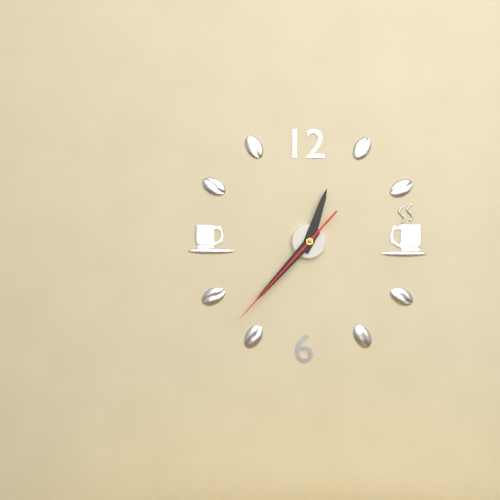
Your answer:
12:37:37
